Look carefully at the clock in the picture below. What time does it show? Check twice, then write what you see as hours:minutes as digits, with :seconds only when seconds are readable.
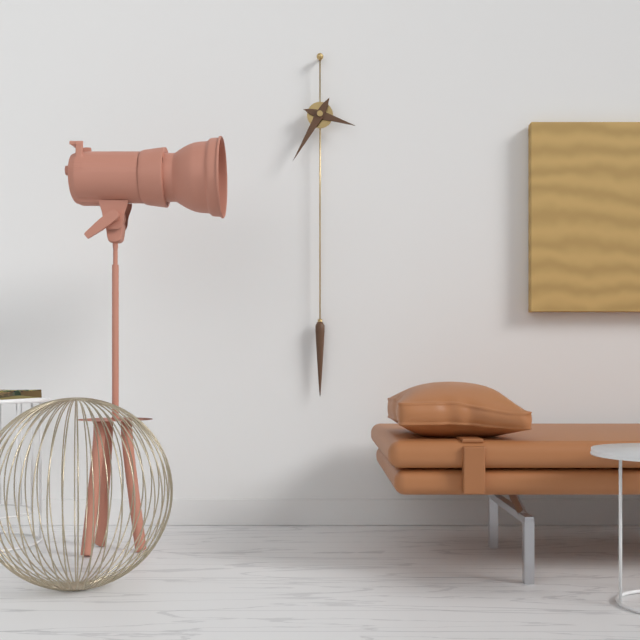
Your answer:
3:35
